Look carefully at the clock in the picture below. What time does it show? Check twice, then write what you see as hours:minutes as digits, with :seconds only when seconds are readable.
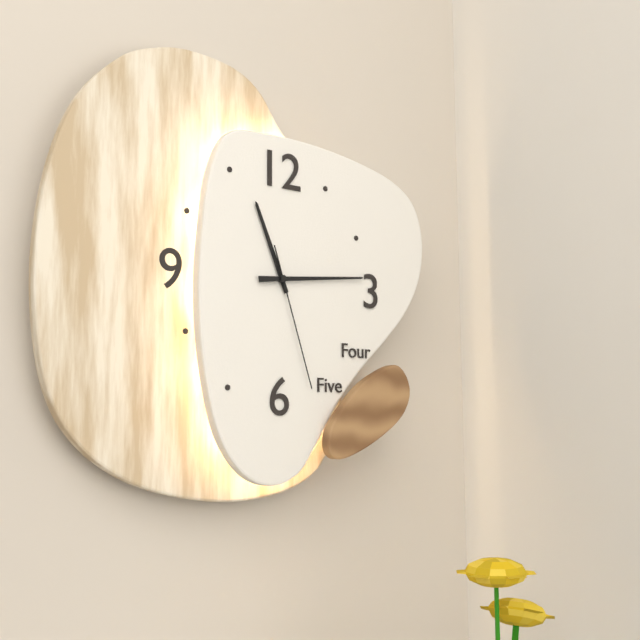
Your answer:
11:14:27
